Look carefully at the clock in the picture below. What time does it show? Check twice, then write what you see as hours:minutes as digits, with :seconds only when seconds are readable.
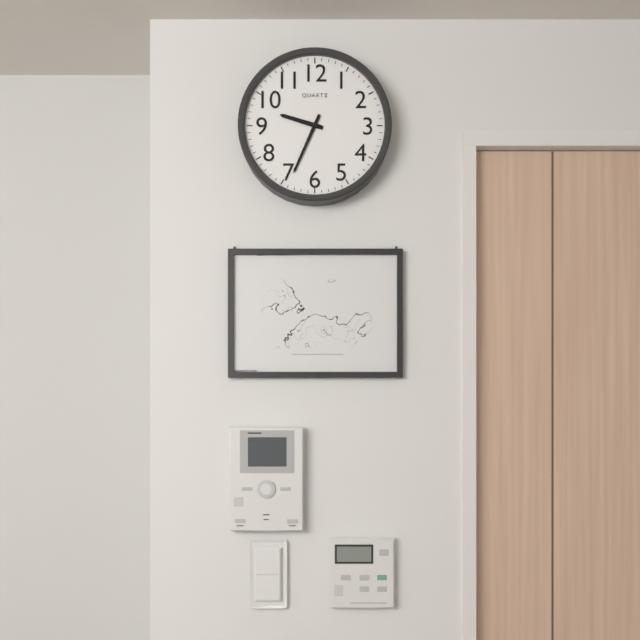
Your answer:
9:34
